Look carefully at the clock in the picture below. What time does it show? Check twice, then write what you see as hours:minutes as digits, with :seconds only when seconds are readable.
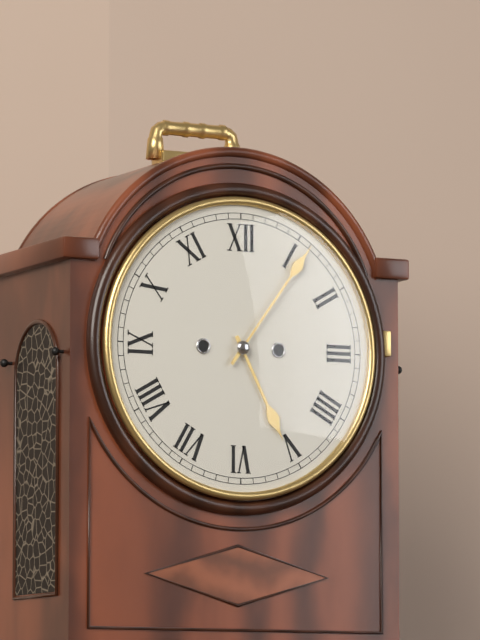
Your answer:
5:06
